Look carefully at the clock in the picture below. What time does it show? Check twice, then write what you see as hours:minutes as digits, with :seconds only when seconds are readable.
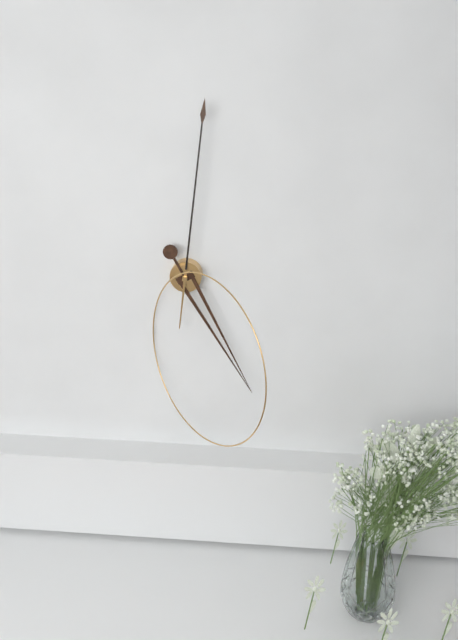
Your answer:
5:01
